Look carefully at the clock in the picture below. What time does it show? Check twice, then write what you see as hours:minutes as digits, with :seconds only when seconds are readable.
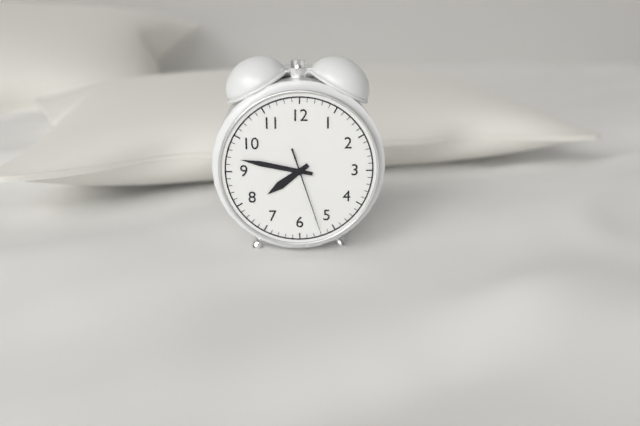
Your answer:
7:47:27
